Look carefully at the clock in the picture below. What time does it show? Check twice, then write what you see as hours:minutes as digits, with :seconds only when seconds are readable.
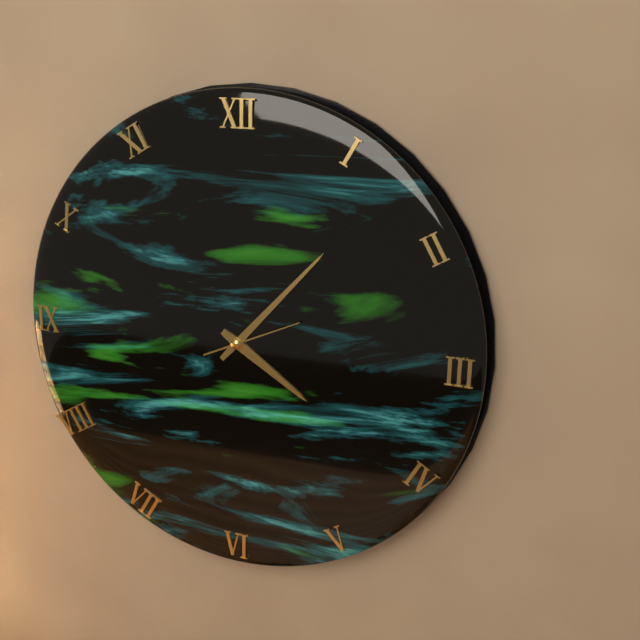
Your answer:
4:07:11
